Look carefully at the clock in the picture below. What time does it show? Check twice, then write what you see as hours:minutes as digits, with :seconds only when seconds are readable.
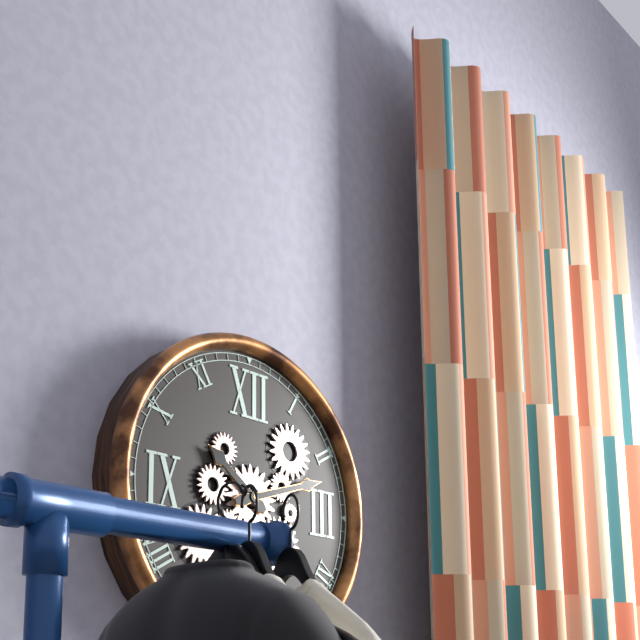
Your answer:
10:12
